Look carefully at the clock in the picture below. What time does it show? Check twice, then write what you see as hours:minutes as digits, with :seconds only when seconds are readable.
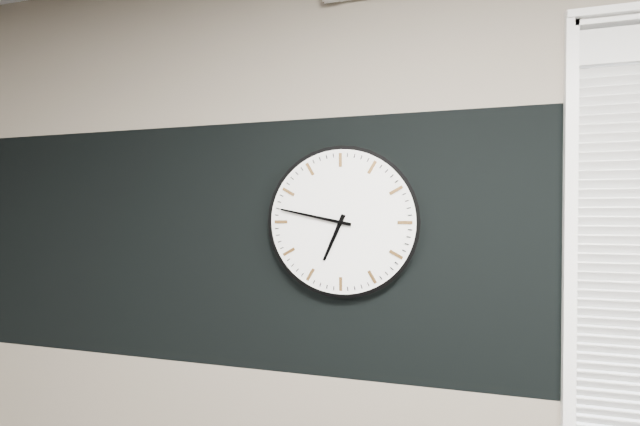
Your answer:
6:47
